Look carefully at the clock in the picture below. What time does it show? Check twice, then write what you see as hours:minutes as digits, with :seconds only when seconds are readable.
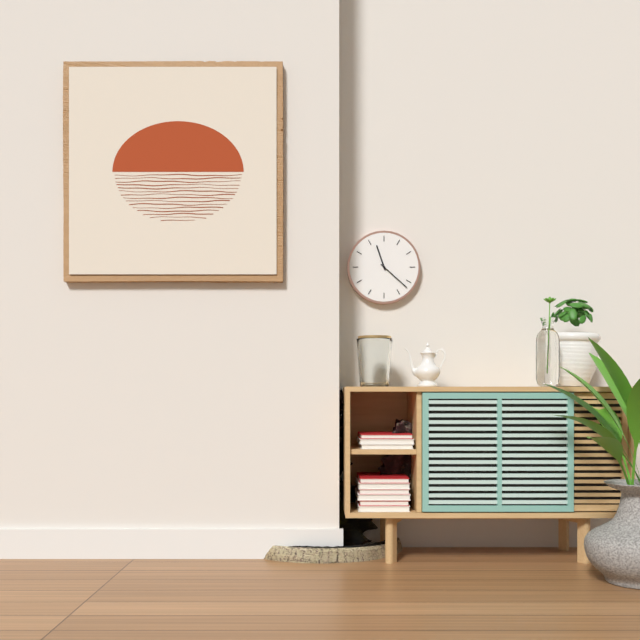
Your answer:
11:22
